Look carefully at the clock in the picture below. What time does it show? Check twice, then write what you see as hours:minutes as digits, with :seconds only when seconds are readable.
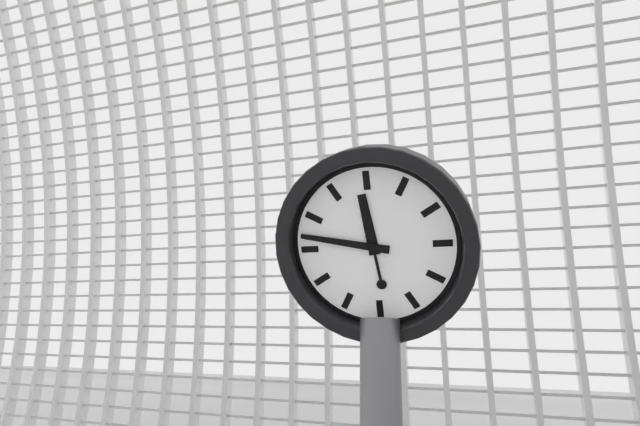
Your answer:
11:47
